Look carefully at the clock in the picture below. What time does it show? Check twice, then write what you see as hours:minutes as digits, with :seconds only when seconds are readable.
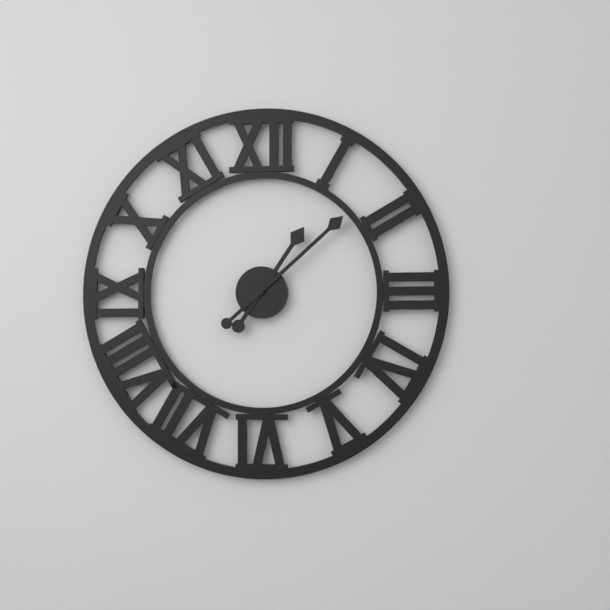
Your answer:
1:08
